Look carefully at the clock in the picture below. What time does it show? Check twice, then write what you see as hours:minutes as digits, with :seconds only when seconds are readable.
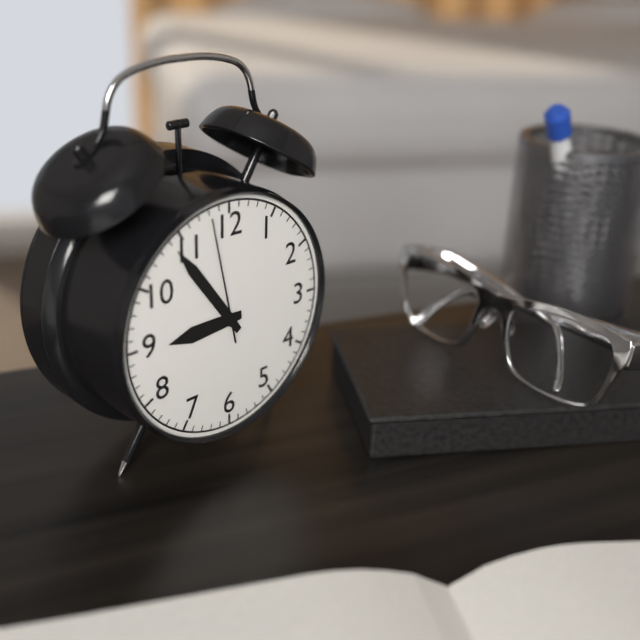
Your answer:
8:54:58
